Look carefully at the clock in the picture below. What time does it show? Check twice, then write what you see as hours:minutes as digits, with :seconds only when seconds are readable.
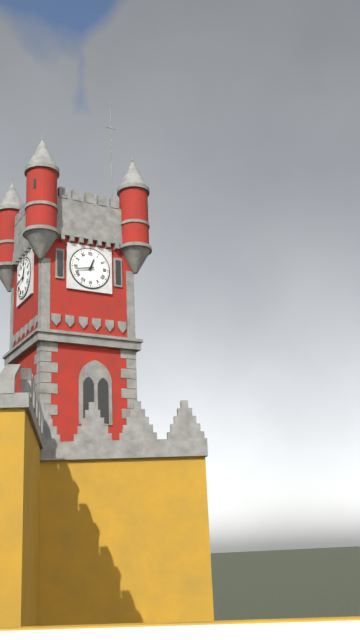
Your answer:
12:43
